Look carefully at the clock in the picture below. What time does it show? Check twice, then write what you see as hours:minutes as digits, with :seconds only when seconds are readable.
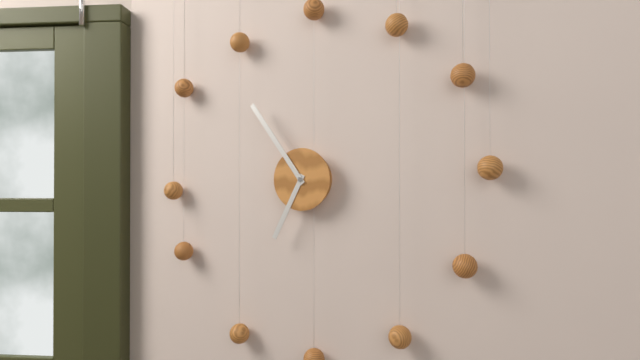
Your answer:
6:54
